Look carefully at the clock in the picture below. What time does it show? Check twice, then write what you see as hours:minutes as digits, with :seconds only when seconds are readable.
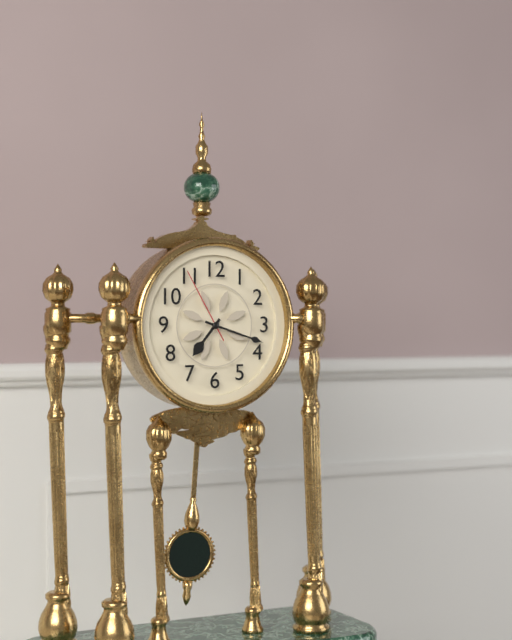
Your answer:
7:18:55
